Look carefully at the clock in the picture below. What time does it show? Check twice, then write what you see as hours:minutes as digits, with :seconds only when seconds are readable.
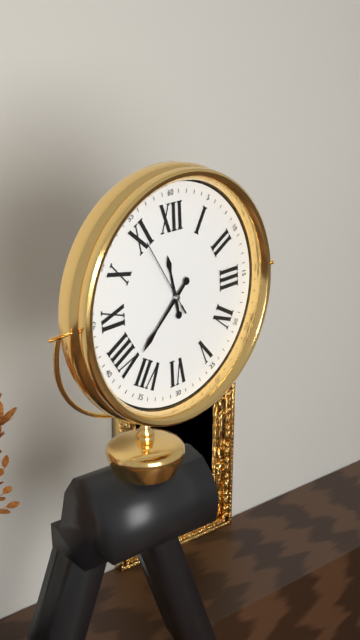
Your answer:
11:38:55
